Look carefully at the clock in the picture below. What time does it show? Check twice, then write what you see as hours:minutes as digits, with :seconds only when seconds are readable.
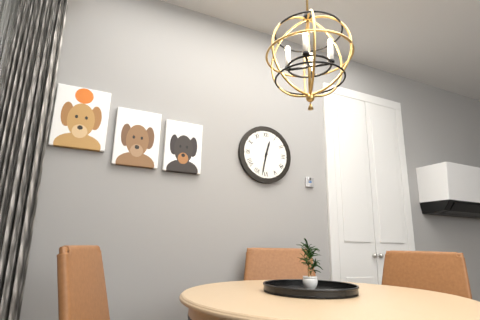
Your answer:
12:32
